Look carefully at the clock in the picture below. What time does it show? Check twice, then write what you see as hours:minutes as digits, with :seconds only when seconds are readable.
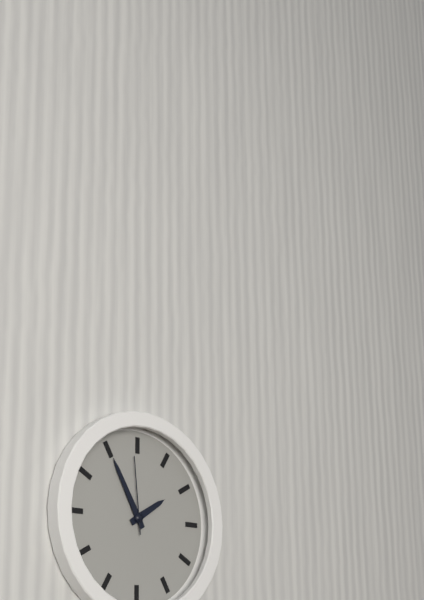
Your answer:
1:55:59
